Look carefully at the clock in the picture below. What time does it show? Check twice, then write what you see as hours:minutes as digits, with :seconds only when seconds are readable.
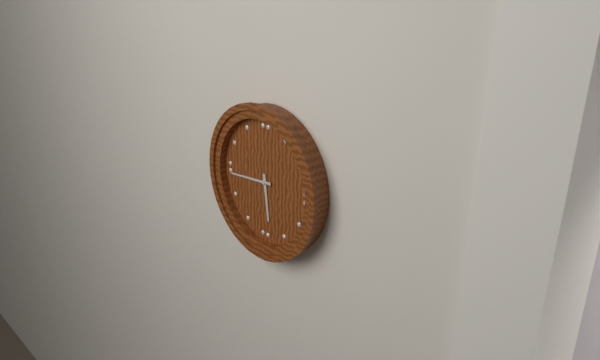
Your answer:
5:44
